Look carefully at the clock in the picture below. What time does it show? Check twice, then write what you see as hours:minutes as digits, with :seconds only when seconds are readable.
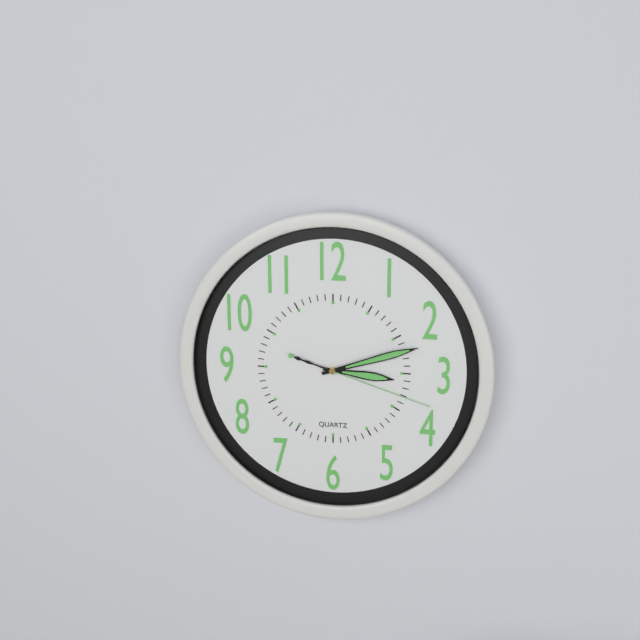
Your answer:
3:12:18
